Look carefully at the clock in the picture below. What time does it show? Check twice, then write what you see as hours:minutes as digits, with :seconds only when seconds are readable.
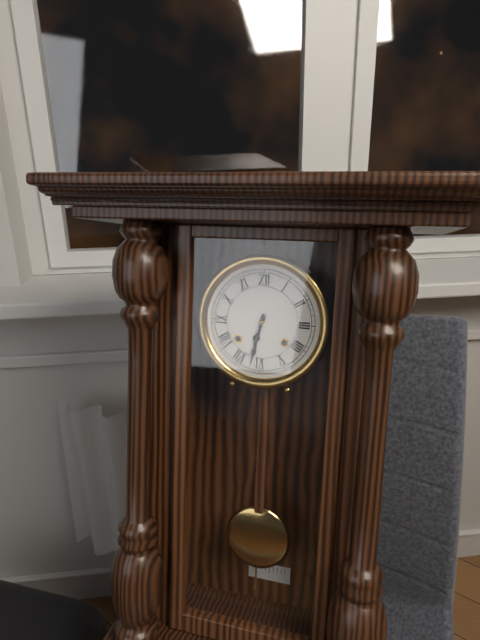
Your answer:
6:32
